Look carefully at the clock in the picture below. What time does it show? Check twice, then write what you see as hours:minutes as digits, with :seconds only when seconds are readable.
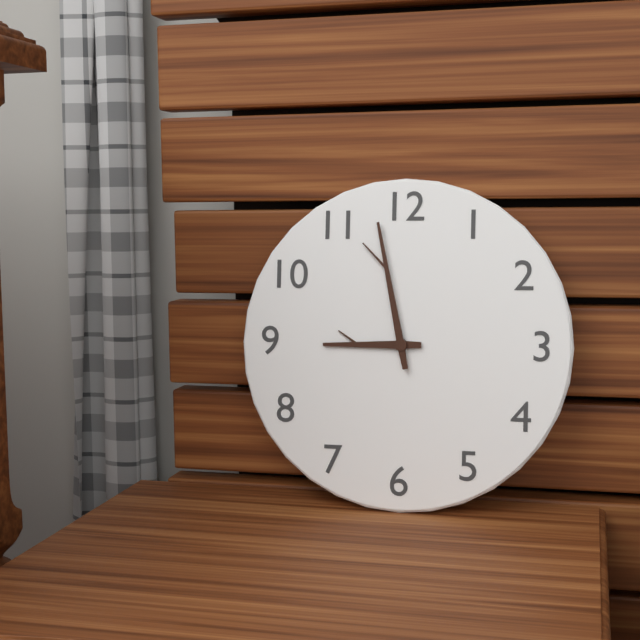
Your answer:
8:58
